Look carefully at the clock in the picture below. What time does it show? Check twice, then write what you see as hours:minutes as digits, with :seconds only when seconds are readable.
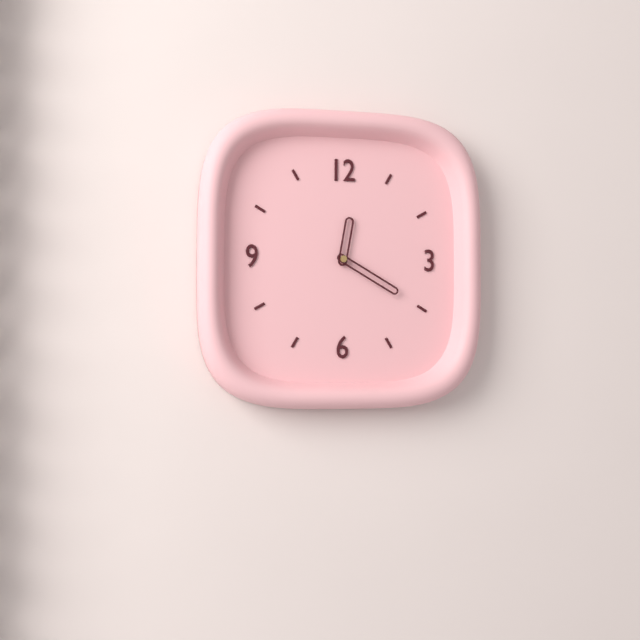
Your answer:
12:20
